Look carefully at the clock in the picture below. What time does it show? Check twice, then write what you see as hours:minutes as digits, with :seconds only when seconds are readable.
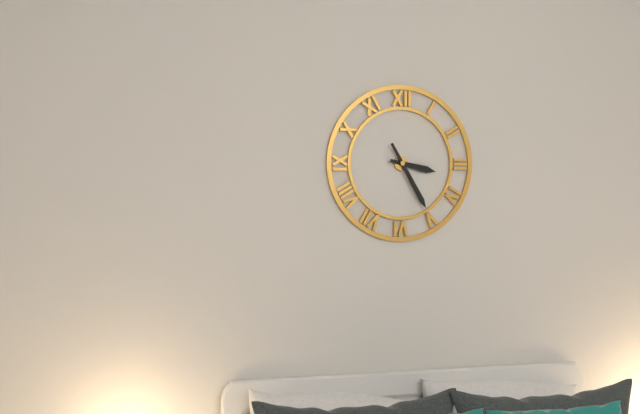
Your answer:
3:25
